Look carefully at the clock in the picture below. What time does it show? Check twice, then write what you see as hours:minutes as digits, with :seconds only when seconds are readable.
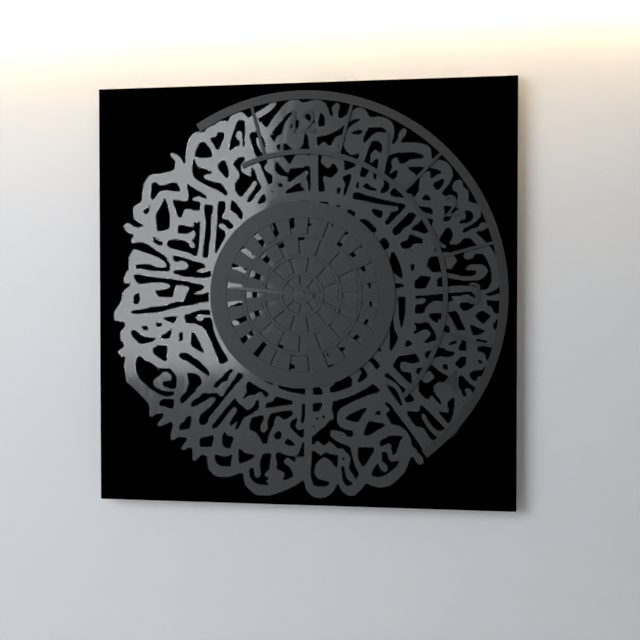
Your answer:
3:46
